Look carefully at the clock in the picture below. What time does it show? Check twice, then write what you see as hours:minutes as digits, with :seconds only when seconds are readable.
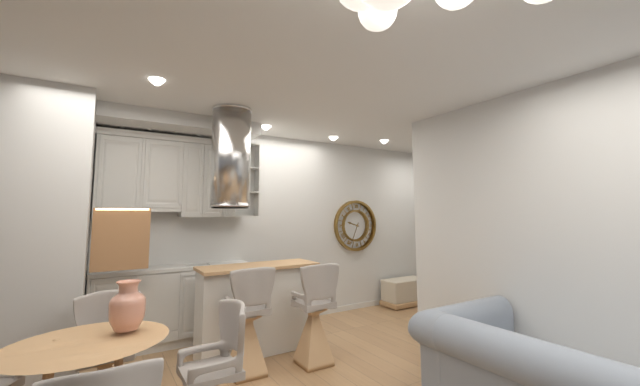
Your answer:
9:34
